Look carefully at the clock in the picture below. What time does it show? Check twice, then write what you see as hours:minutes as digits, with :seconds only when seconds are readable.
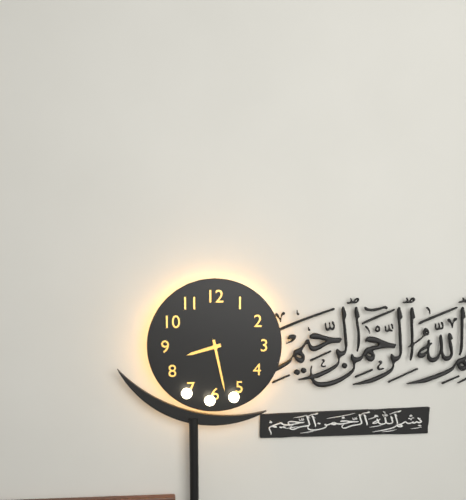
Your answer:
8:28
